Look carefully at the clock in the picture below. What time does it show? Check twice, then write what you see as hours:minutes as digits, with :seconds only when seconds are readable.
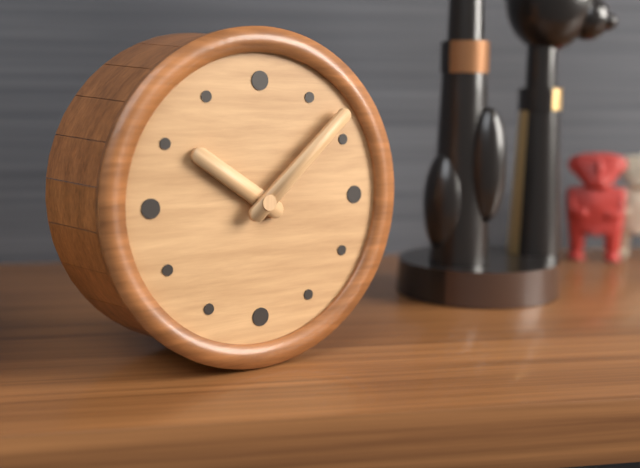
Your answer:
10:08
